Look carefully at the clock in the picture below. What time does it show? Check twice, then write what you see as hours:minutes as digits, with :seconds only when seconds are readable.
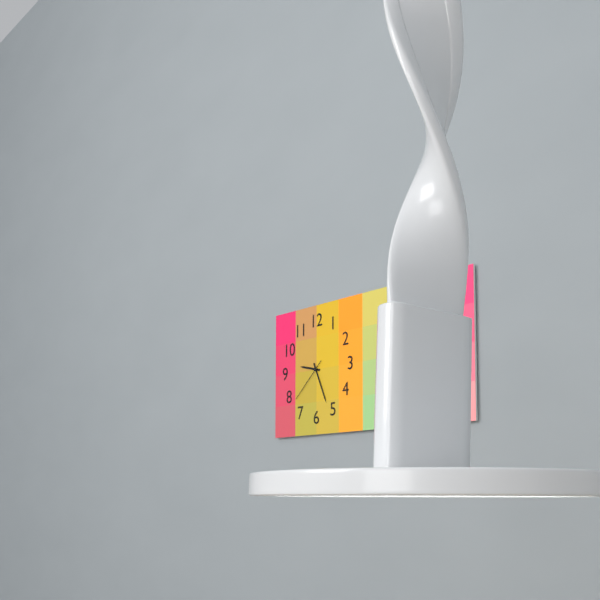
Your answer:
9:26
